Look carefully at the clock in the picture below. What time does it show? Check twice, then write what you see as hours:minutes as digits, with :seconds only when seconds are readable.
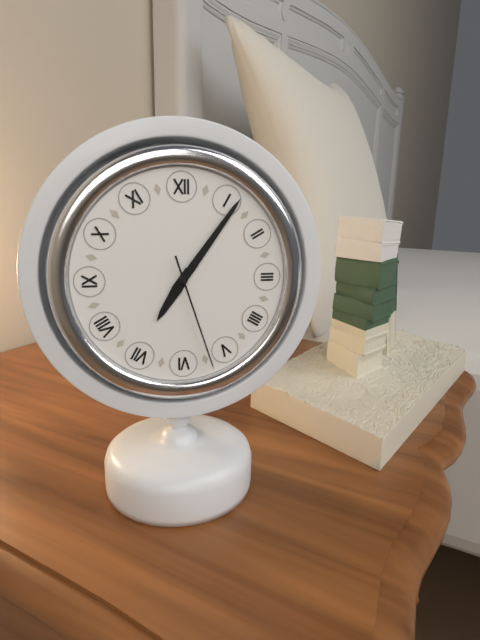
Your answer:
7:06:27
